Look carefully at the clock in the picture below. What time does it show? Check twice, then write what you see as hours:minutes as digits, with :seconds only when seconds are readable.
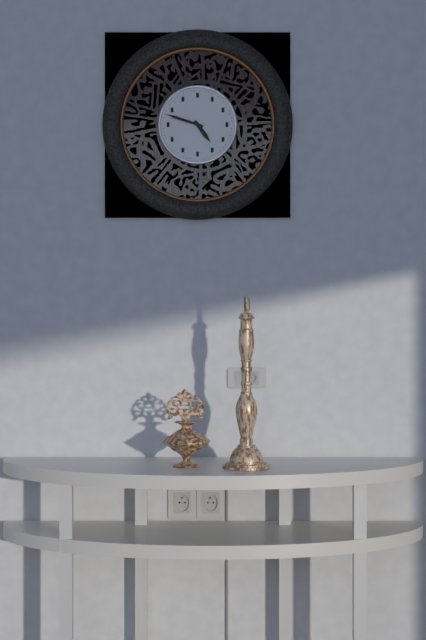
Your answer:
4:48
